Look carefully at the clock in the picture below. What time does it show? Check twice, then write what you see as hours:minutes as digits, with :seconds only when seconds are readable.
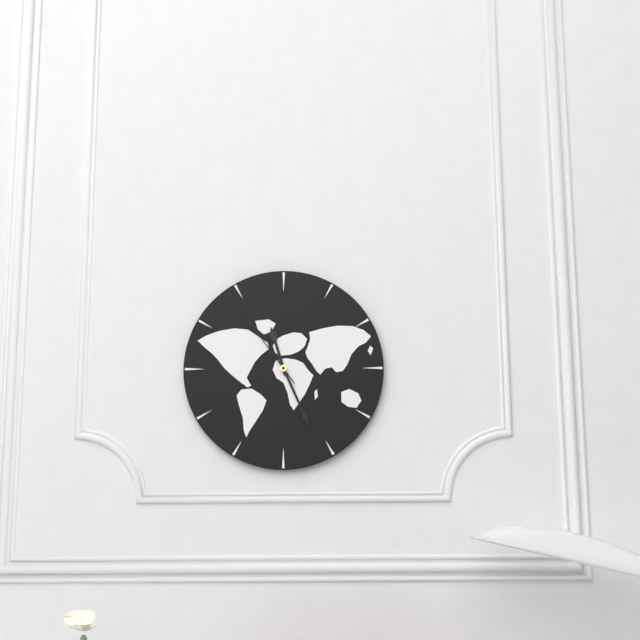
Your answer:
11:26:54
